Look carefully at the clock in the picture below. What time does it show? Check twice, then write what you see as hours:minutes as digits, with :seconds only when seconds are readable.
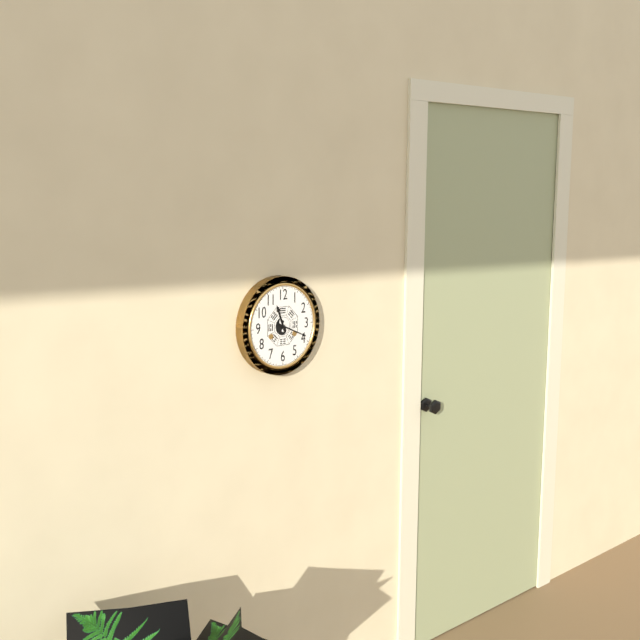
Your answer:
11:19
